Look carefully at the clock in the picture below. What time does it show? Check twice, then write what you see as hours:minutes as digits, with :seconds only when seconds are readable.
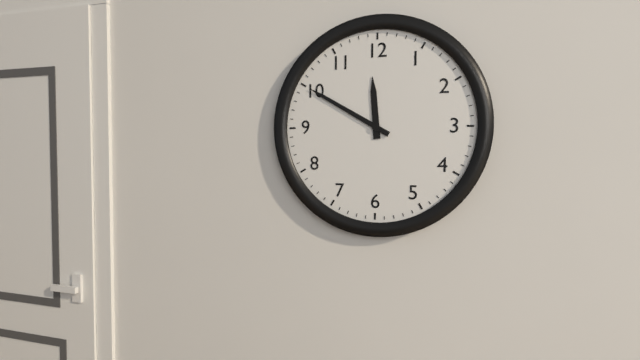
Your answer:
11:50
